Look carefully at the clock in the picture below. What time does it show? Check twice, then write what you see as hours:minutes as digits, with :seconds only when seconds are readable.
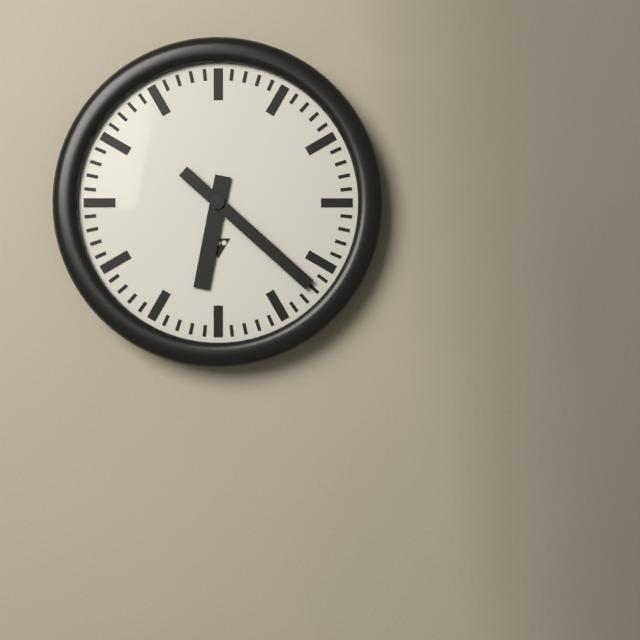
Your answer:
6:22
